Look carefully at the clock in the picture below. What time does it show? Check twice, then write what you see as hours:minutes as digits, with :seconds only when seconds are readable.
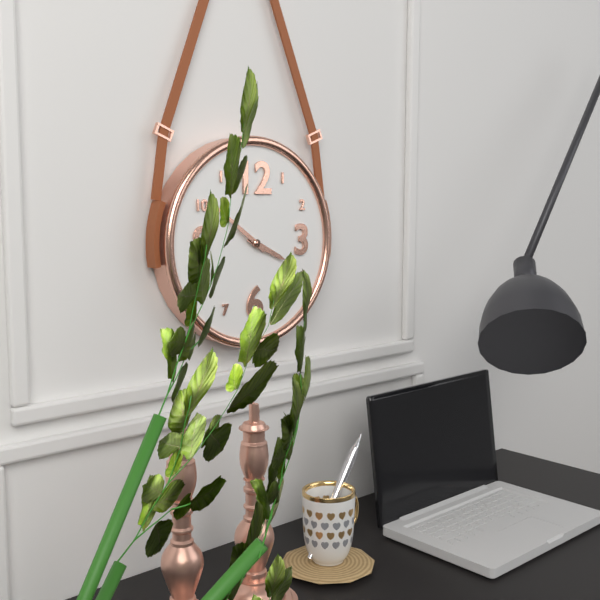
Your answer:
3:51
